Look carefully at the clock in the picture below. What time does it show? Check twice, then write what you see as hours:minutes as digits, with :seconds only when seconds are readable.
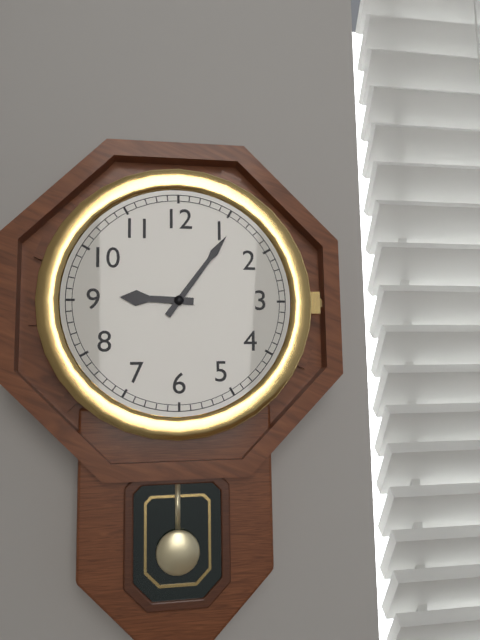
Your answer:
9:06
